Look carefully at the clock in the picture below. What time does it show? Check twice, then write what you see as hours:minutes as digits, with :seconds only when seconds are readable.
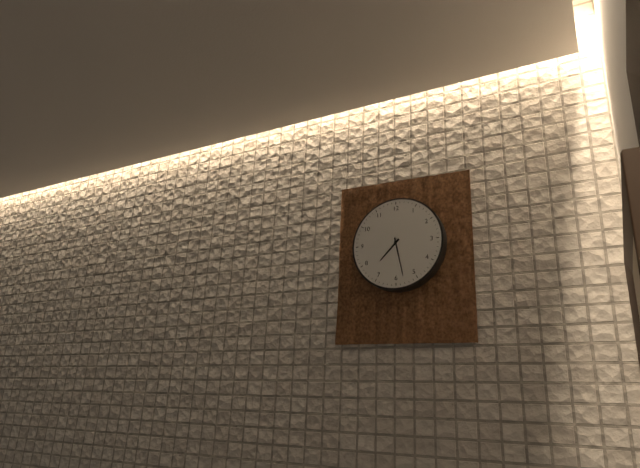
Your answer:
7:28
